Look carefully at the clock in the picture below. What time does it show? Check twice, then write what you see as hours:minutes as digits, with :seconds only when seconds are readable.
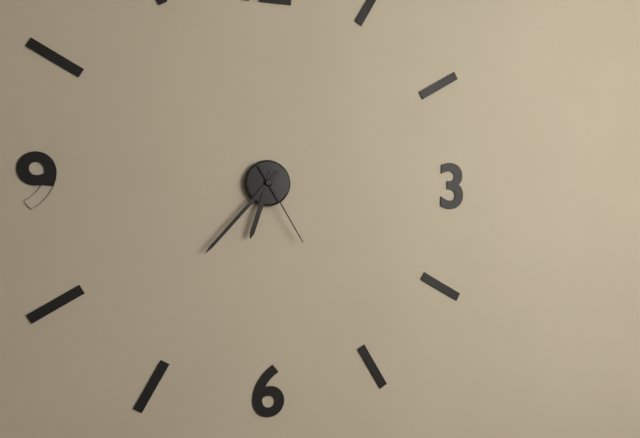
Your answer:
6:37:25
